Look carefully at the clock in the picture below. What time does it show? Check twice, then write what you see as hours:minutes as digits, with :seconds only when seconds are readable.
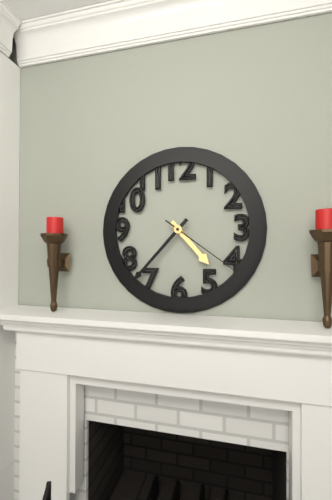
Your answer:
4:37:21
